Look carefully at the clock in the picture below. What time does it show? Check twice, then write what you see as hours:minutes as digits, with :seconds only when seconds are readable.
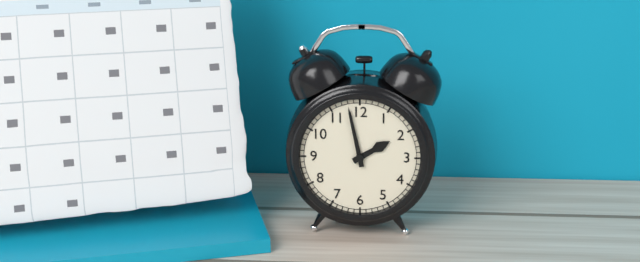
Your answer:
1:58
